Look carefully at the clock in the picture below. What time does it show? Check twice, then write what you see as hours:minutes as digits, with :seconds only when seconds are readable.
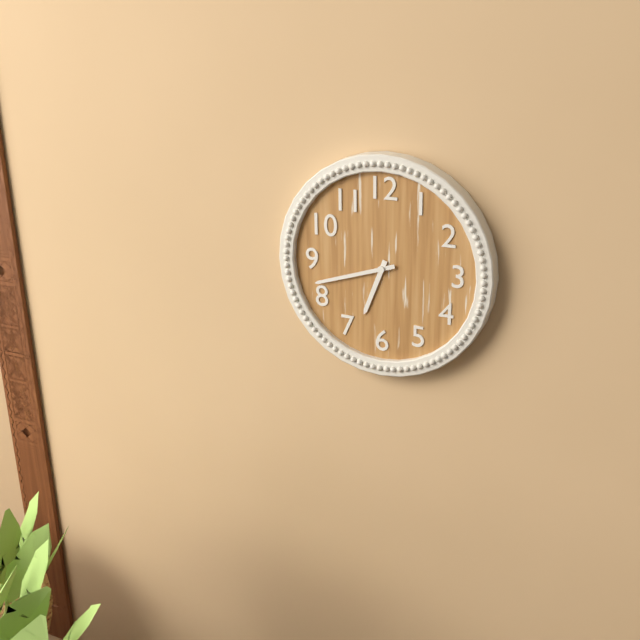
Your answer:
6:42
